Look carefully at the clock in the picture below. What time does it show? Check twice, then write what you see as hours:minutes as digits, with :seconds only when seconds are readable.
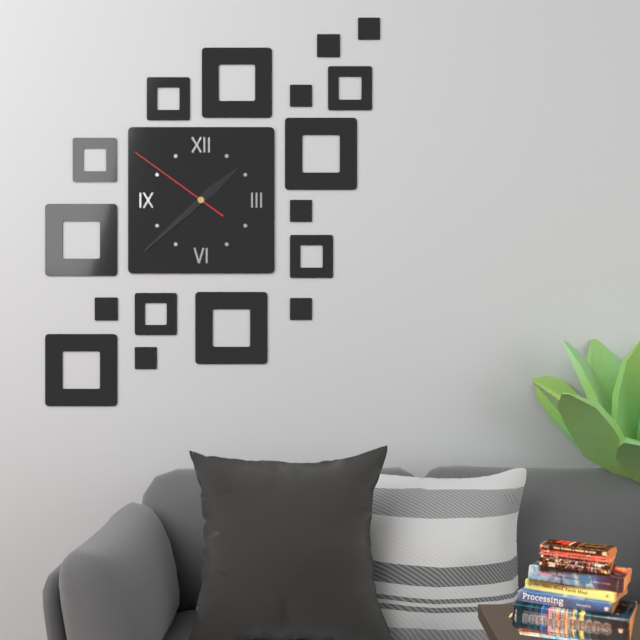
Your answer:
1:38:51
